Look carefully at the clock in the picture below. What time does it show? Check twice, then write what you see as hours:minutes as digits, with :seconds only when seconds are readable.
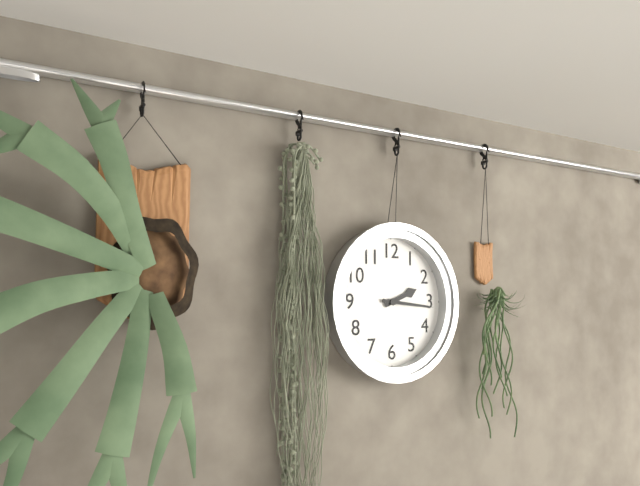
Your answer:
2:16
